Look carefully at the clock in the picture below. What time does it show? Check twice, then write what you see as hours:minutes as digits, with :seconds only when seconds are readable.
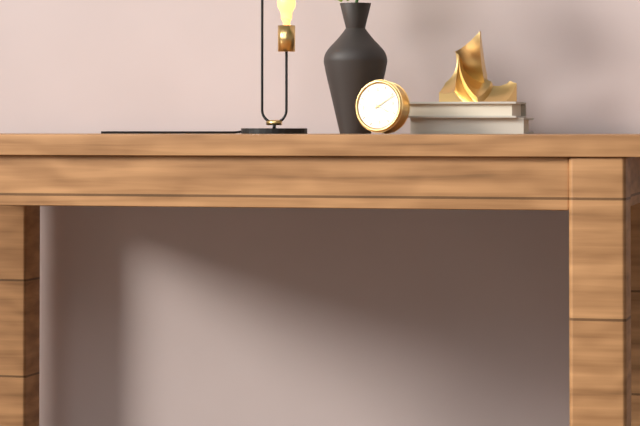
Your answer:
4:11
